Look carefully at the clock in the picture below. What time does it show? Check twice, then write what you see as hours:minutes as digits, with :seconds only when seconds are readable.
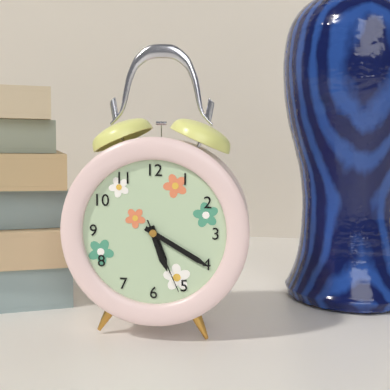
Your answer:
5:20:26
